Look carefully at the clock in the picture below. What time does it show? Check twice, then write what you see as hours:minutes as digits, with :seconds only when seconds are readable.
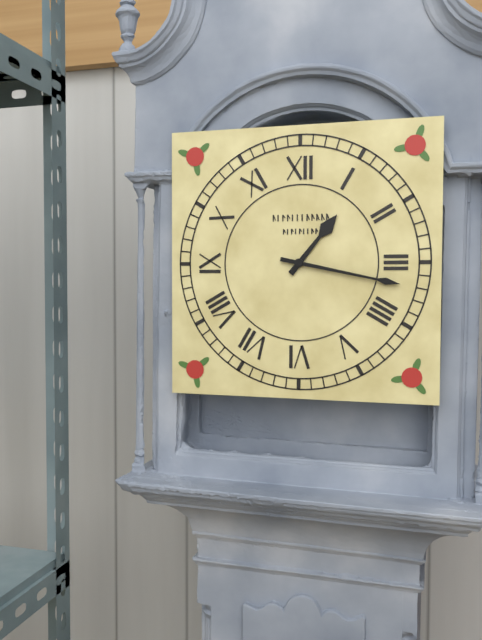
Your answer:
1:17
